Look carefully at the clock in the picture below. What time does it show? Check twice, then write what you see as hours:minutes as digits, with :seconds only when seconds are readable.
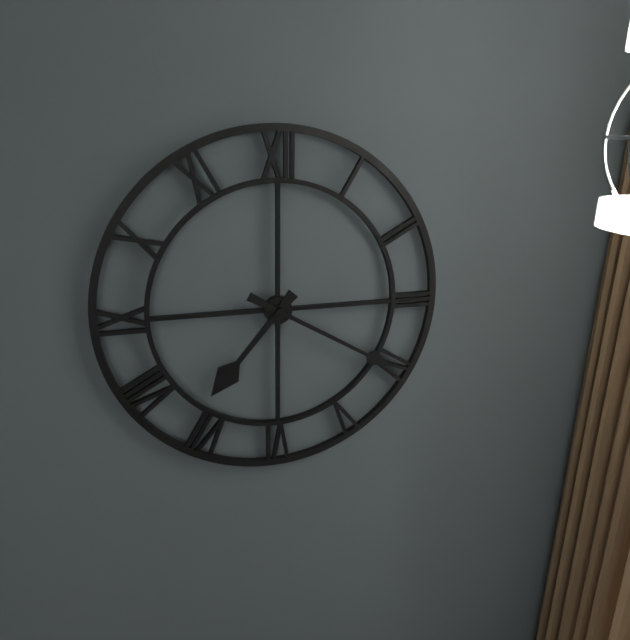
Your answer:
7:20
